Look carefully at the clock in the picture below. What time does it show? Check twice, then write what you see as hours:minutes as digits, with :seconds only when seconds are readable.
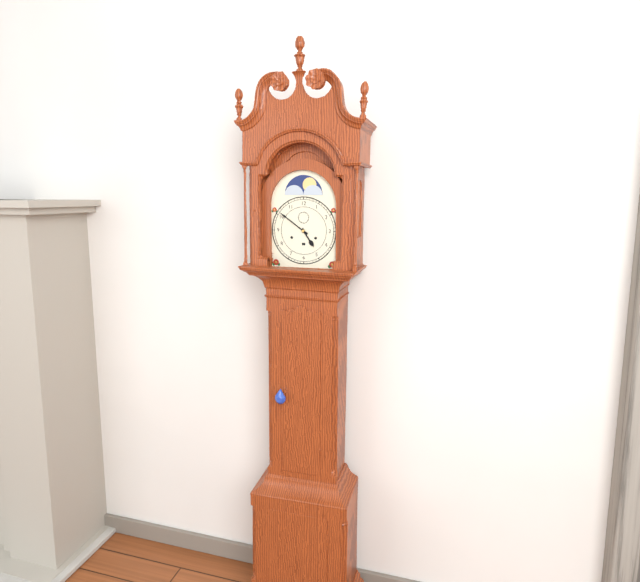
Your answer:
4:51
